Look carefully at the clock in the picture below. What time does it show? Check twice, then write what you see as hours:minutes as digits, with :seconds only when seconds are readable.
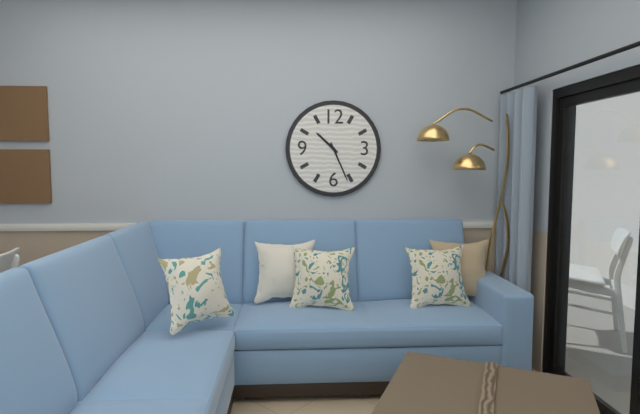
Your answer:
10:26
